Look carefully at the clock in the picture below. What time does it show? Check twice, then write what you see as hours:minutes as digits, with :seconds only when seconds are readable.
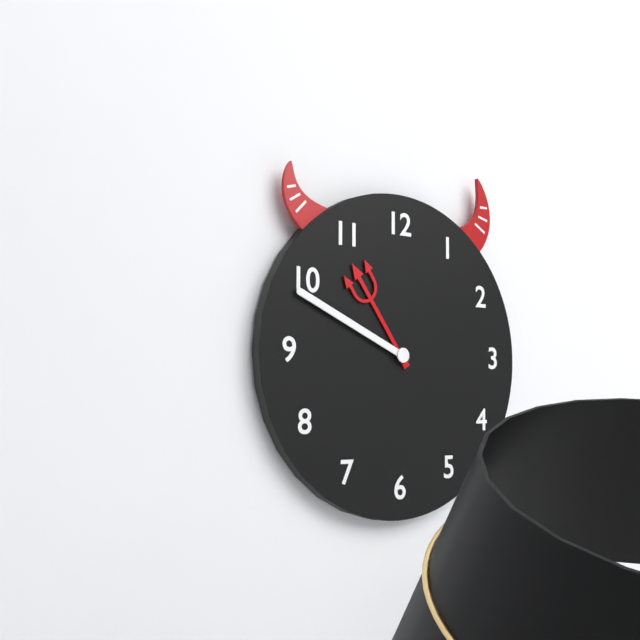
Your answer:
10:49
